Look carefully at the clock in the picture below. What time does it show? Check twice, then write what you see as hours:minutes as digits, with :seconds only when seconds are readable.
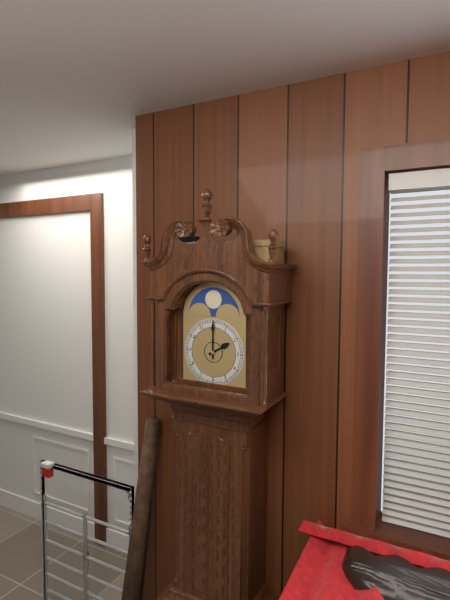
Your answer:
2:00
